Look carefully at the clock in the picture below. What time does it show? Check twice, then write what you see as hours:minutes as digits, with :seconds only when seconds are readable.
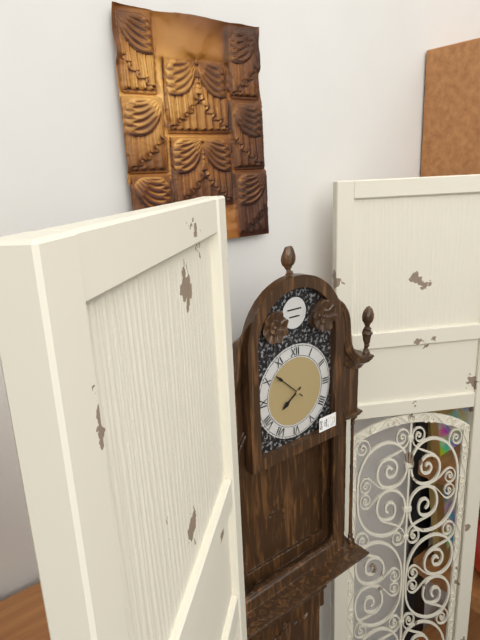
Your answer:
7:52
